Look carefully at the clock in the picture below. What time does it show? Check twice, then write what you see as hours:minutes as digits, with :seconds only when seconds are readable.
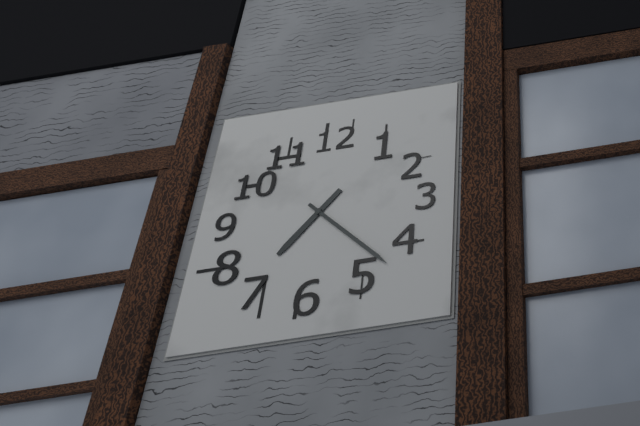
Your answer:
7:22
